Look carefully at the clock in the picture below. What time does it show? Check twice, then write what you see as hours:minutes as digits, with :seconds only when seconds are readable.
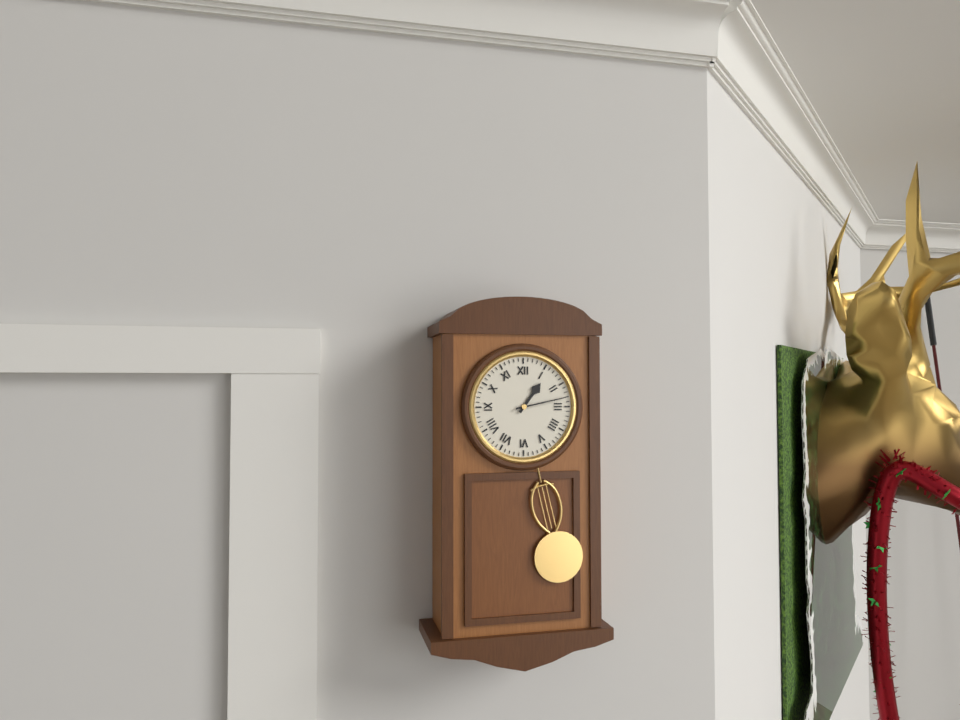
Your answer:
1:13
